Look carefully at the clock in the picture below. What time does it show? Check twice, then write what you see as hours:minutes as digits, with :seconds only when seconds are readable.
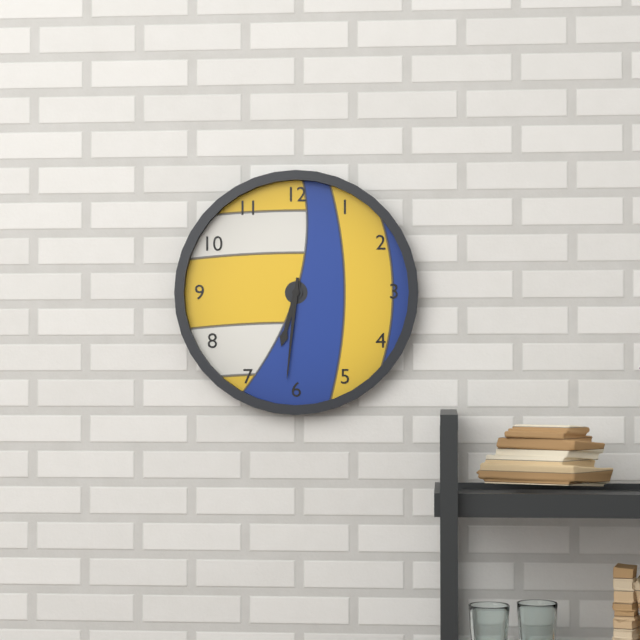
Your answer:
6:31
